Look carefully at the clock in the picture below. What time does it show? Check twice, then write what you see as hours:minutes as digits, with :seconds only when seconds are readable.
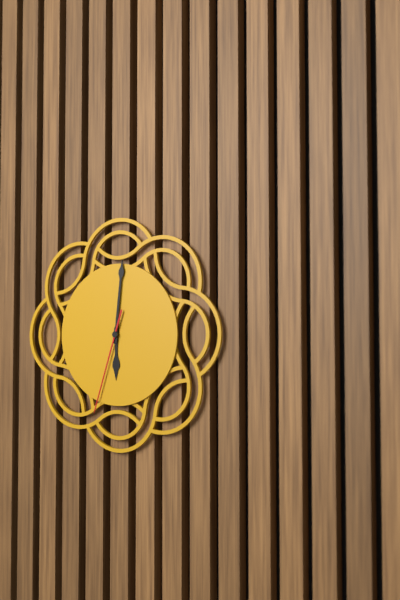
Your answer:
6:01:33
